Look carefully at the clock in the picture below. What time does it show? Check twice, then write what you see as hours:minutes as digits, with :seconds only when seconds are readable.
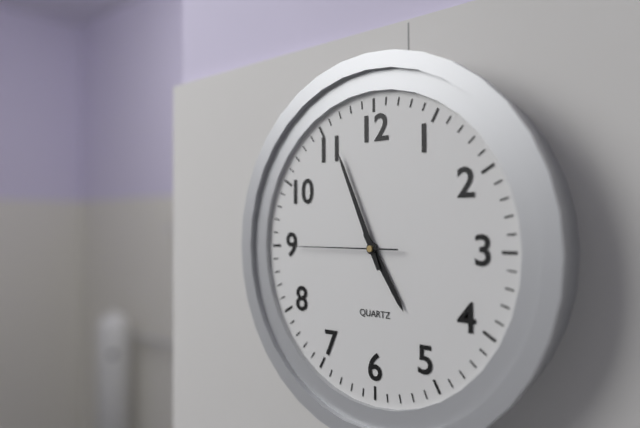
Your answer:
4:56:45
